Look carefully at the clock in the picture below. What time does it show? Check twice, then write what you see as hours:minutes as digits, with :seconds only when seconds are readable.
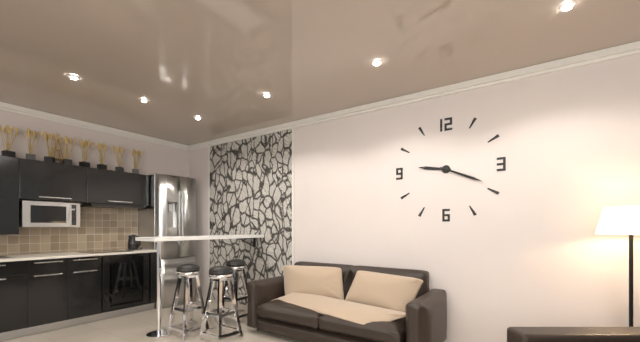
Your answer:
9:19
